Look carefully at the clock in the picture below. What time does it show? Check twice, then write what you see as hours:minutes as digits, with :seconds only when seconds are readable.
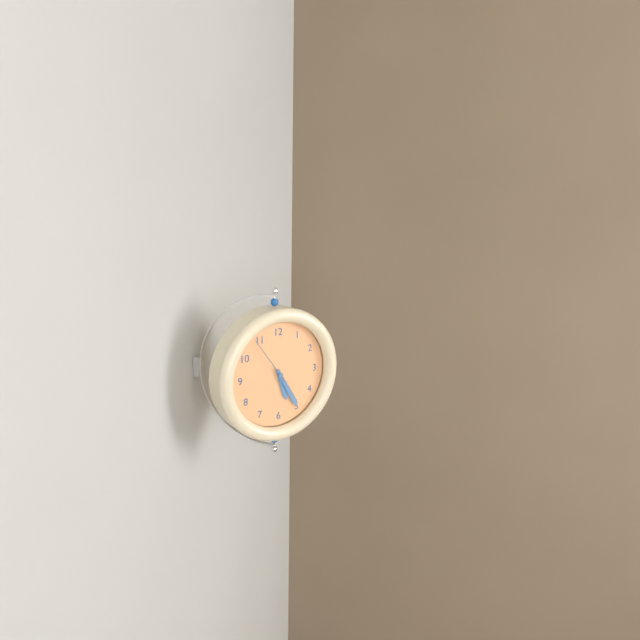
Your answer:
5:25:54
